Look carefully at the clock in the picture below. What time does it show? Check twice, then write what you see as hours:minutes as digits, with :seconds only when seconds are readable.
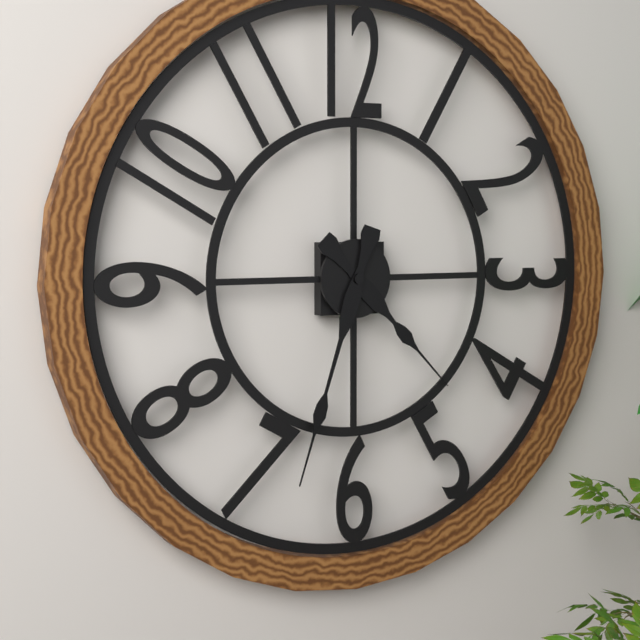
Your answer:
4:33
